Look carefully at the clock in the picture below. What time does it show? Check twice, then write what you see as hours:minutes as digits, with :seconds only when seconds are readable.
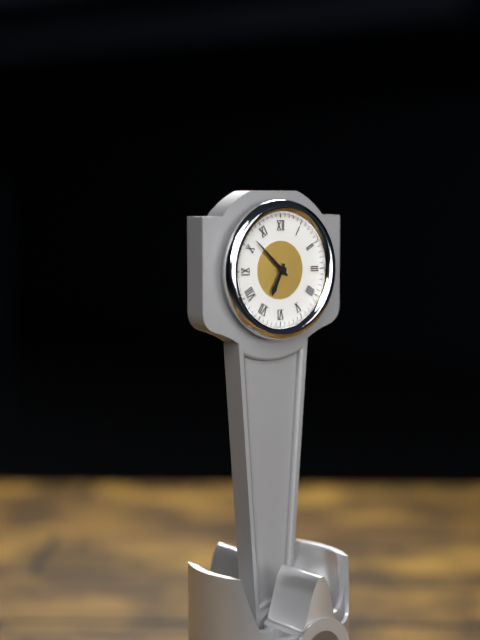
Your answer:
6:52
